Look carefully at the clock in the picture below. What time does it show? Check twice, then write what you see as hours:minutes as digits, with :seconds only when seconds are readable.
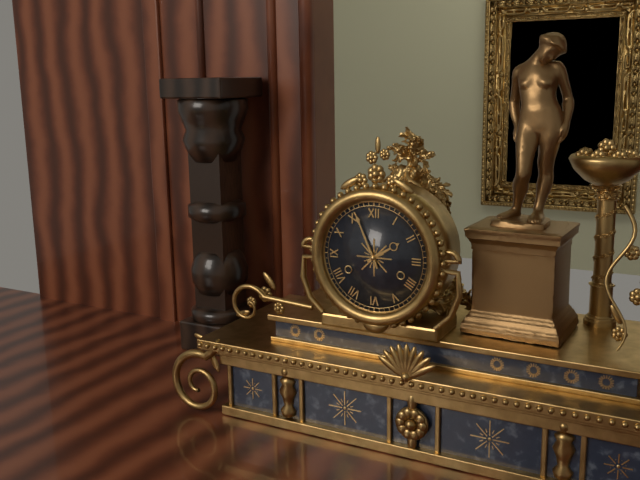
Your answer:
1:56
